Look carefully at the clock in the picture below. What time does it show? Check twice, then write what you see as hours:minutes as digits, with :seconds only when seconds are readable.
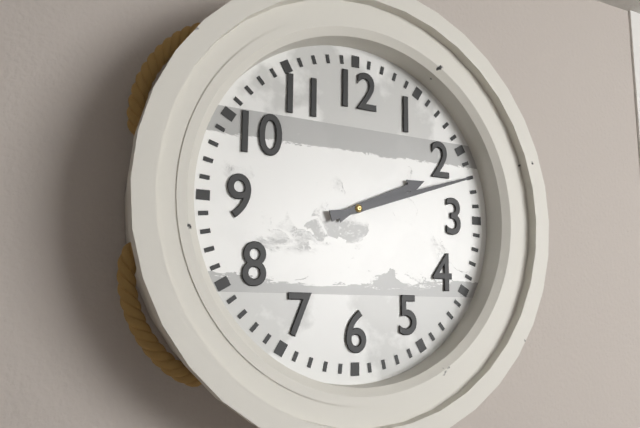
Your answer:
2:12
